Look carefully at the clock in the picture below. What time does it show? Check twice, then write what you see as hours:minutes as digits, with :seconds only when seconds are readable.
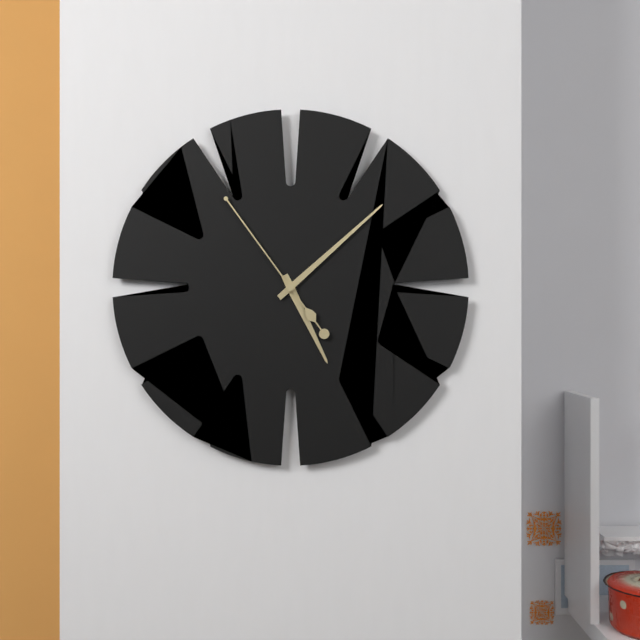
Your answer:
5:08:54
